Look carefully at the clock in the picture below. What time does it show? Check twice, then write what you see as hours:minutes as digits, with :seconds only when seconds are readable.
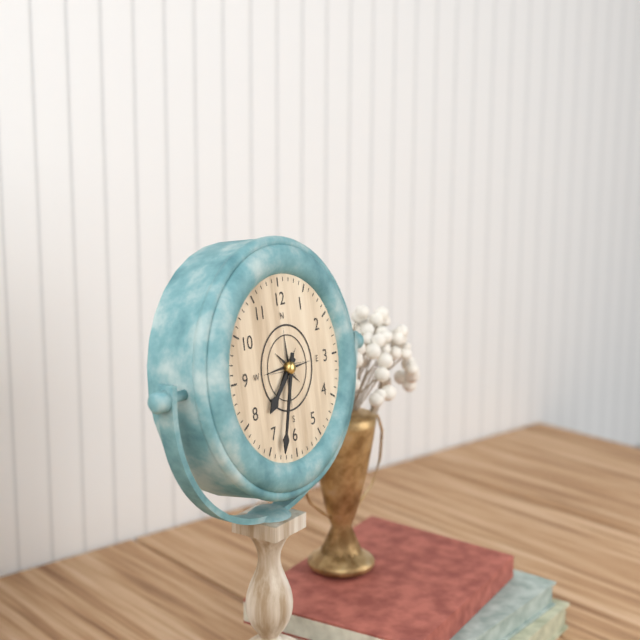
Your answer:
7:33
